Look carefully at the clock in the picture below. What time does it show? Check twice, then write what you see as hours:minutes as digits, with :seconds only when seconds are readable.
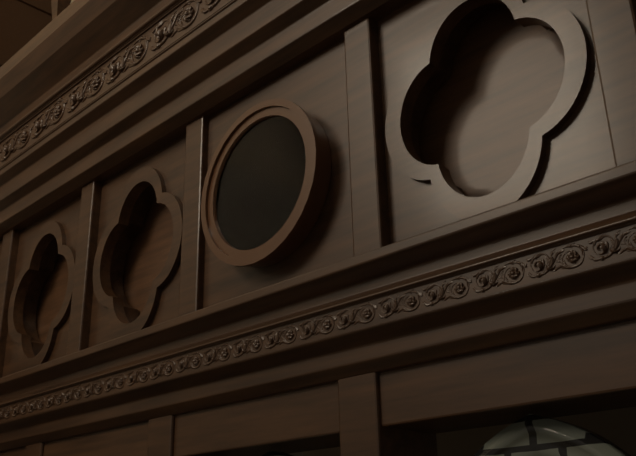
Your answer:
1:39
